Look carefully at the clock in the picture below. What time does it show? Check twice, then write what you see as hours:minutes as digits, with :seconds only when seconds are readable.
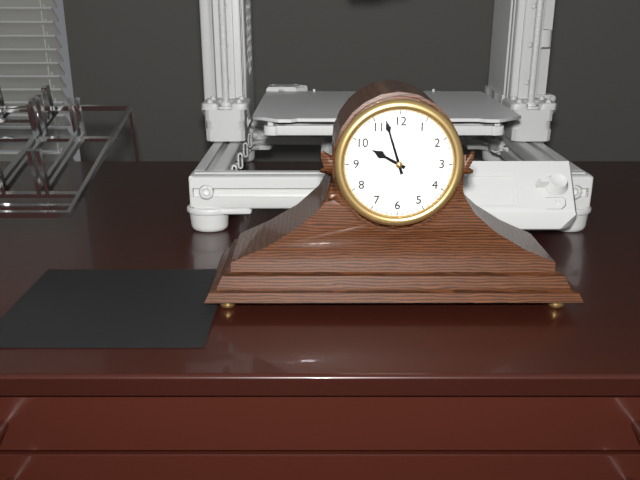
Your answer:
9:57
